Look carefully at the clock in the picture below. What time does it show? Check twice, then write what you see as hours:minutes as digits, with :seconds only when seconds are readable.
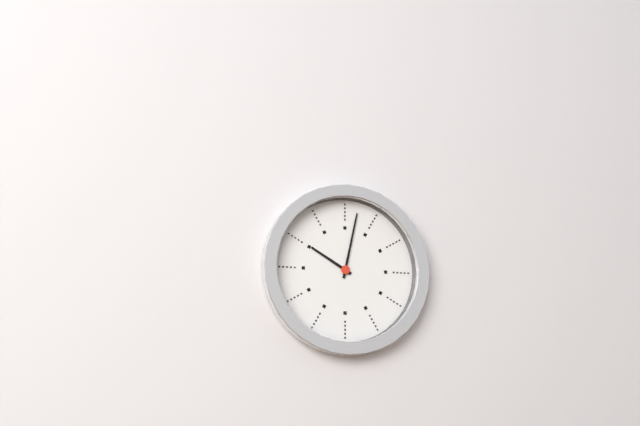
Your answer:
10:02
